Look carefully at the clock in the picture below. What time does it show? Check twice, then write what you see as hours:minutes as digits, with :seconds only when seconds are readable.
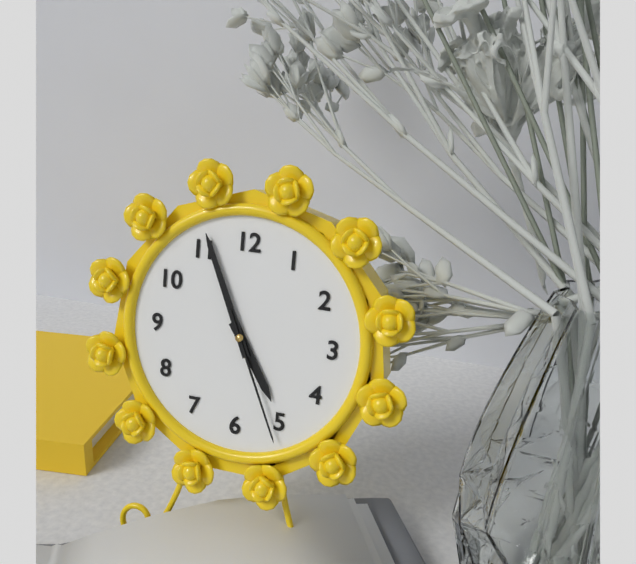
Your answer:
4:56:26
